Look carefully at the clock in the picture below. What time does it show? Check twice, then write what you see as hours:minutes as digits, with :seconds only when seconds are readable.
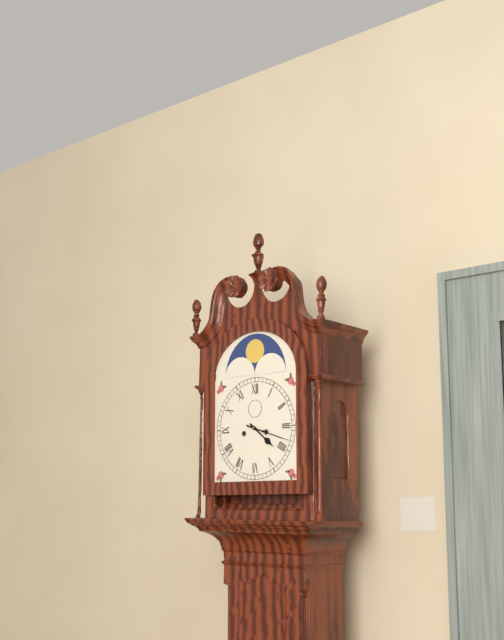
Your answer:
4:18
